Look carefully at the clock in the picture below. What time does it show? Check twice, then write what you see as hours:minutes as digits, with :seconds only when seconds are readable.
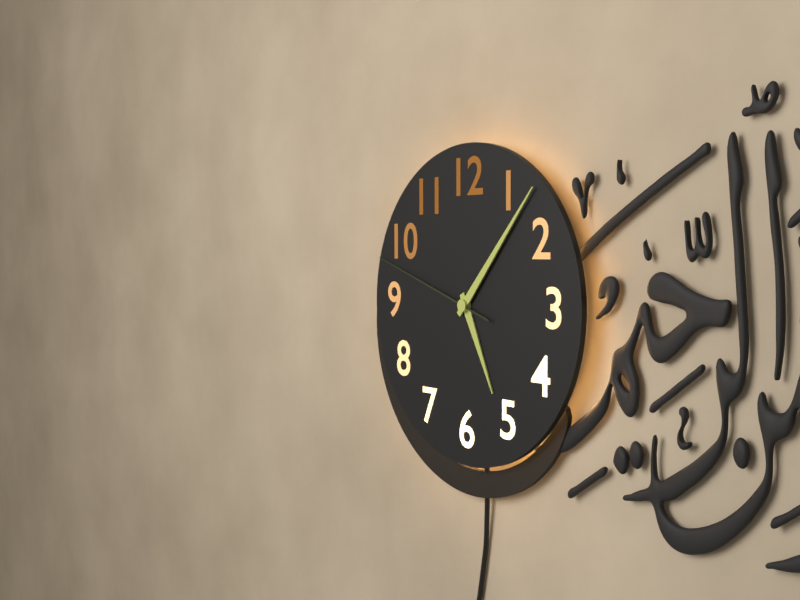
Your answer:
5:07:48
